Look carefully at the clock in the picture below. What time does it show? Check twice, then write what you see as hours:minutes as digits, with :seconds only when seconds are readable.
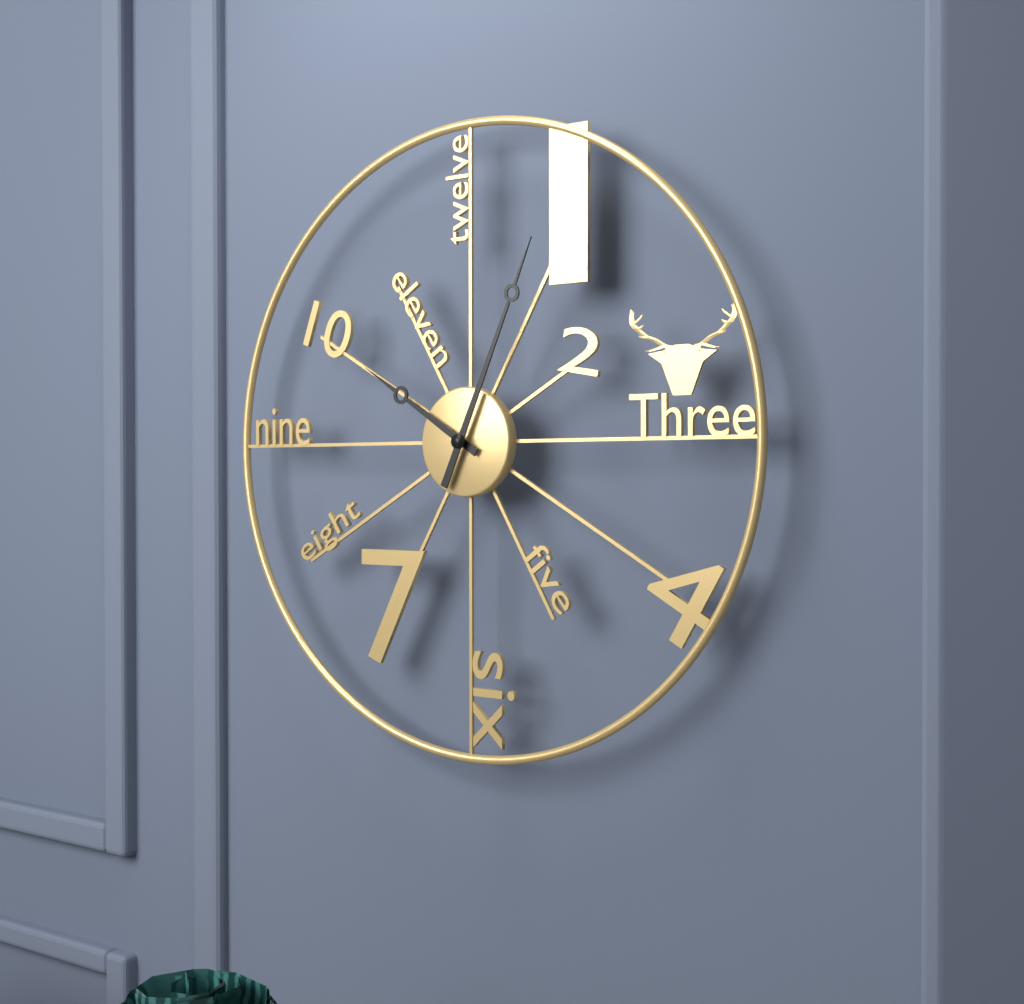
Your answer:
10:04
